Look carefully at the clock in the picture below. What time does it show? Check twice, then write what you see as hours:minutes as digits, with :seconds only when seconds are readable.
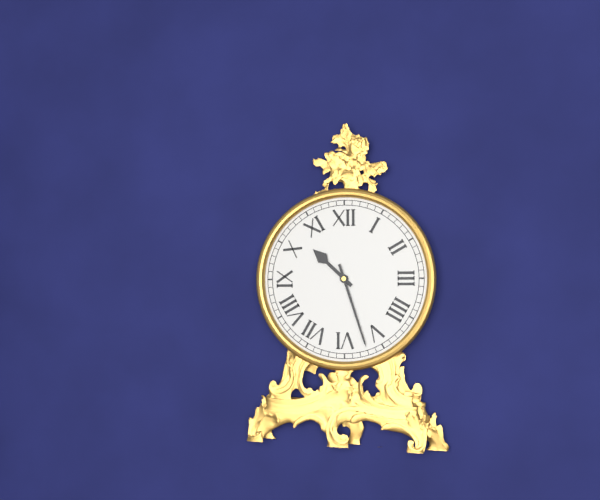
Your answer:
10:27
